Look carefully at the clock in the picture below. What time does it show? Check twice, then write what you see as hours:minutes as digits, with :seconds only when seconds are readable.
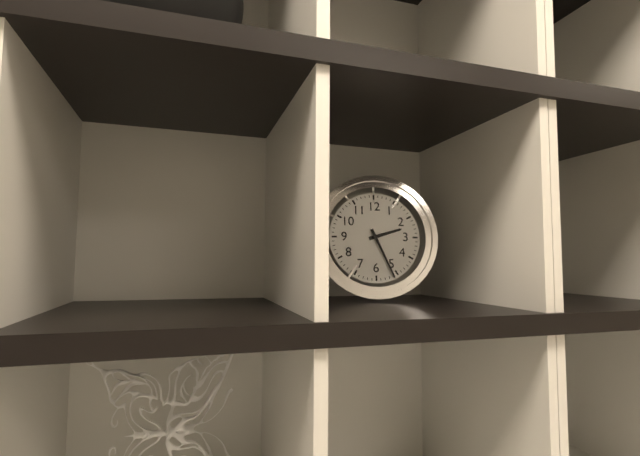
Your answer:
2:26
